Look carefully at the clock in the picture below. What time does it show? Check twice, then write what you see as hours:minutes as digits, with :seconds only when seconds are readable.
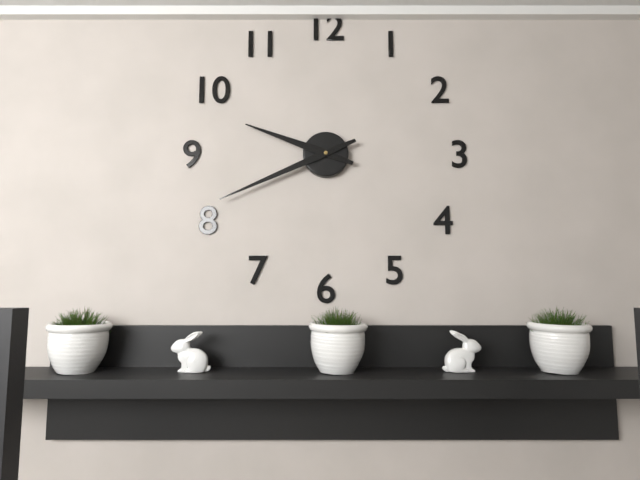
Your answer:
9:41
